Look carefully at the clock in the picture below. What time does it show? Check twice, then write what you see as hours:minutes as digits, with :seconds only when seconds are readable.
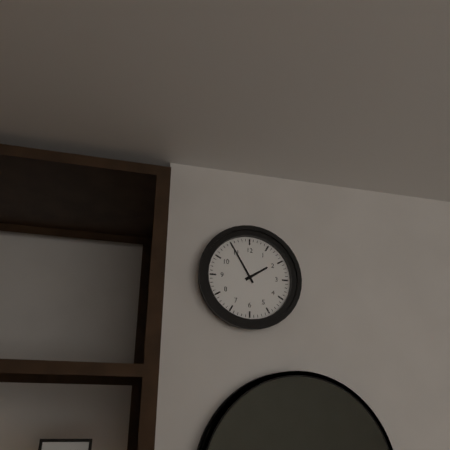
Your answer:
1:55
